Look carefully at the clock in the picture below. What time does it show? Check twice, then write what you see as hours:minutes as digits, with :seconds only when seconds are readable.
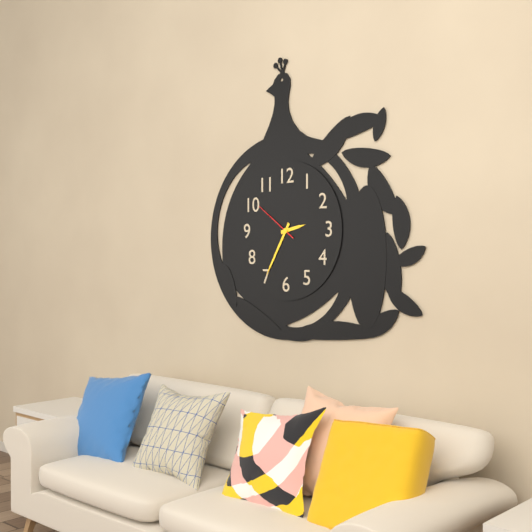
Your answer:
2:35
